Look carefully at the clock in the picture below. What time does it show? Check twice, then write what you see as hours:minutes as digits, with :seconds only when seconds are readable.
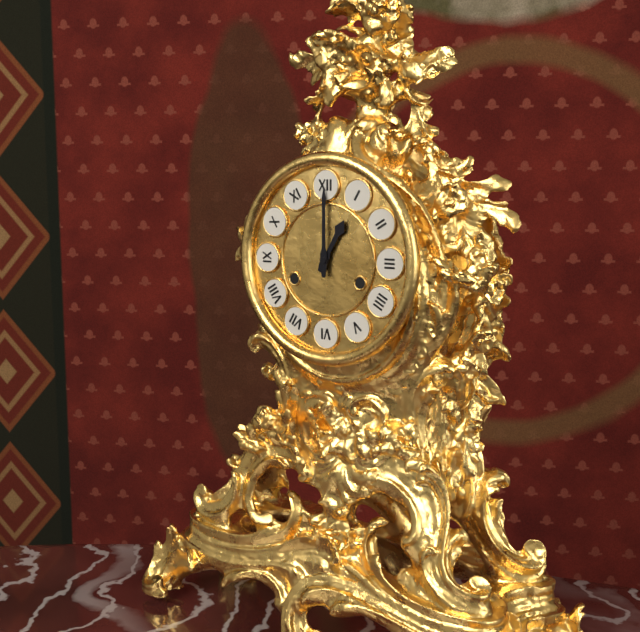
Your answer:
1:00
